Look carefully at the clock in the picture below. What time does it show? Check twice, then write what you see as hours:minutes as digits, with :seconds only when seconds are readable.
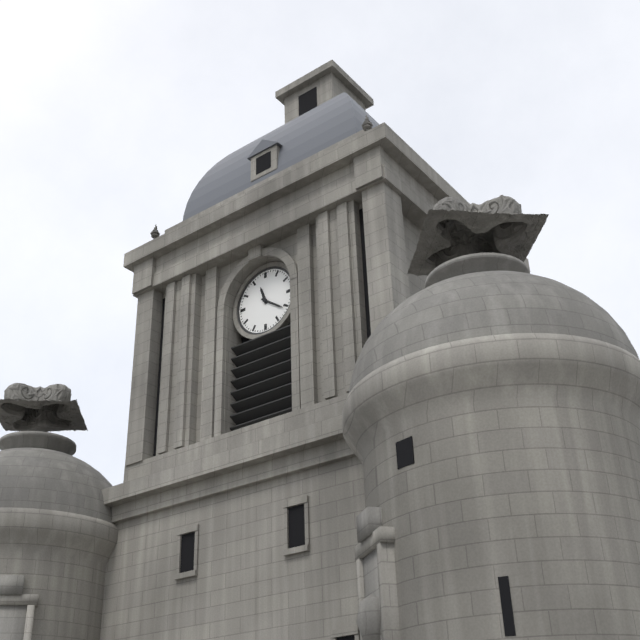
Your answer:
11:21
